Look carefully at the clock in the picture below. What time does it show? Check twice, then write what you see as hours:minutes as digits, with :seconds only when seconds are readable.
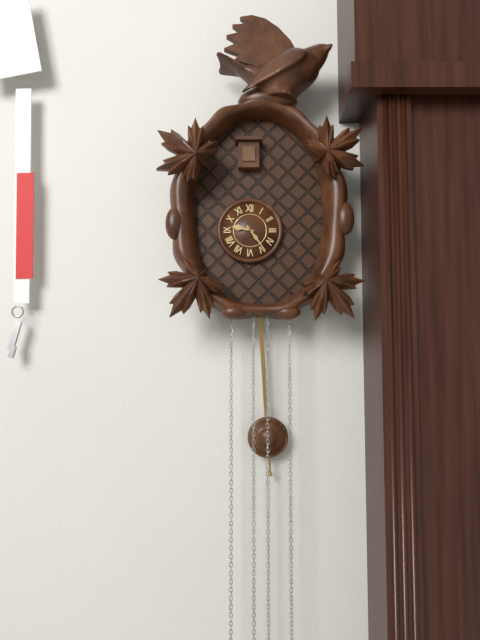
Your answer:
9:24
